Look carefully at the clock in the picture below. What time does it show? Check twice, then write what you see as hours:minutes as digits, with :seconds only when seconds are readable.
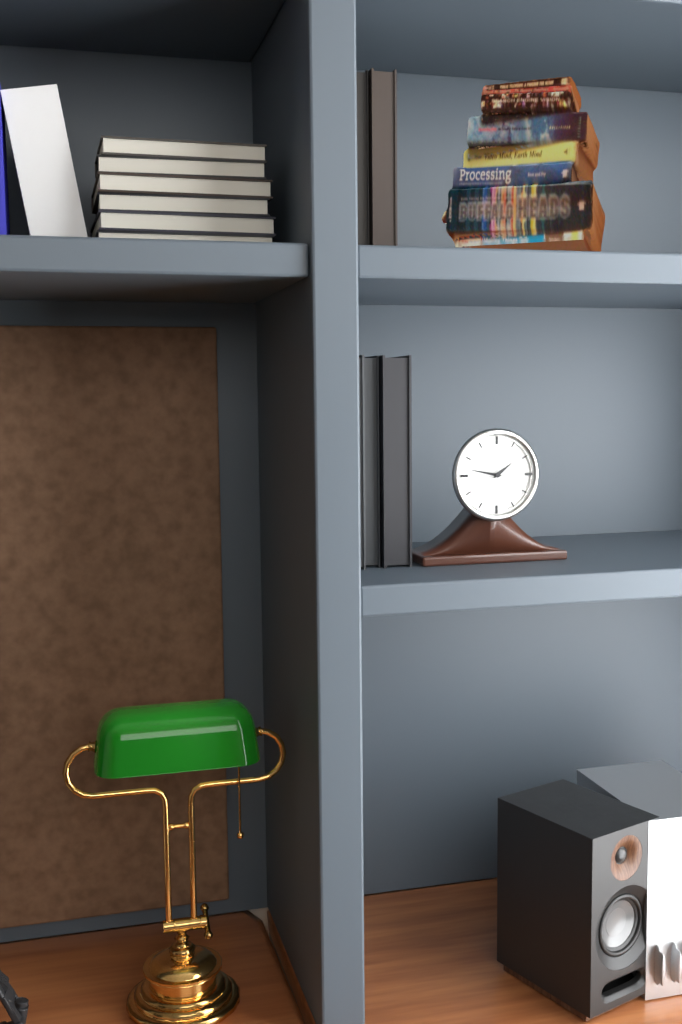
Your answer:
1:47
